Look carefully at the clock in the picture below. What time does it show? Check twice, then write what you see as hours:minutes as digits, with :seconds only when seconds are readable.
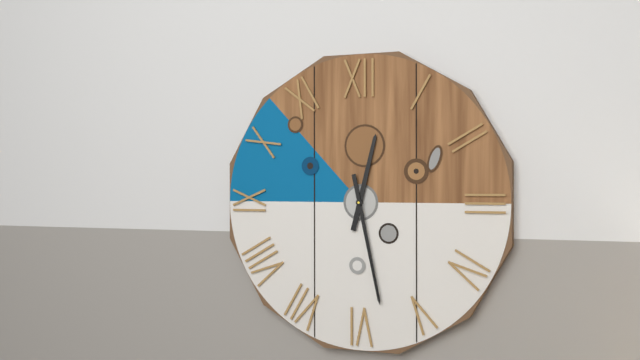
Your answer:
12:28
